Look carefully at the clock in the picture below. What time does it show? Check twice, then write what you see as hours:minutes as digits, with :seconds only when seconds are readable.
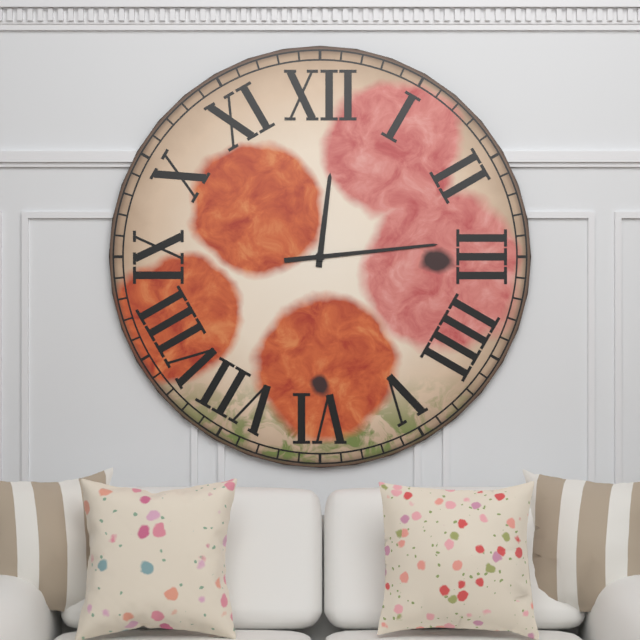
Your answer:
12:14
